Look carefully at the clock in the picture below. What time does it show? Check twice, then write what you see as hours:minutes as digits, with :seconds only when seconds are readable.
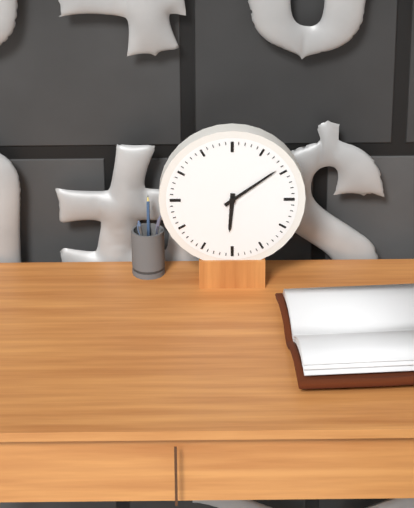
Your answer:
6:09
